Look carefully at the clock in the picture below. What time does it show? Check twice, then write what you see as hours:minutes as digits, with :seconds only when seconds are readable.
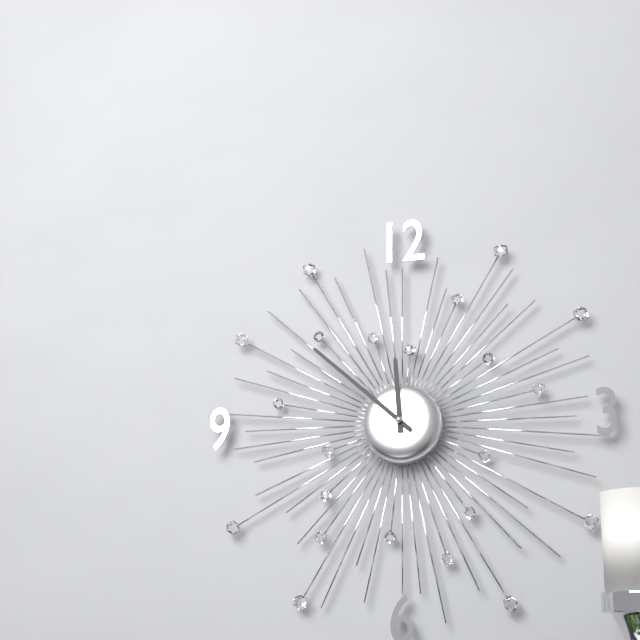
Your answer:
11:52
